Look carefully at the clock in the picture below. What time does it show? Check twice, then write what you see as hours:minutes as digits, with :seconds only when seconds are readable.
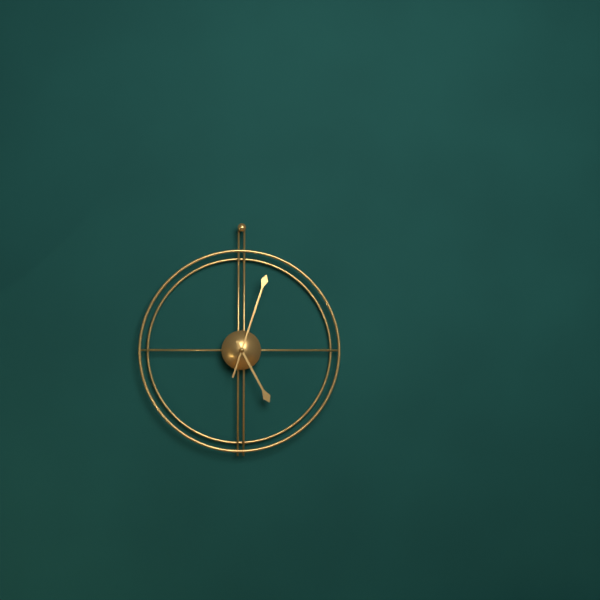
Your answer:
5:03
